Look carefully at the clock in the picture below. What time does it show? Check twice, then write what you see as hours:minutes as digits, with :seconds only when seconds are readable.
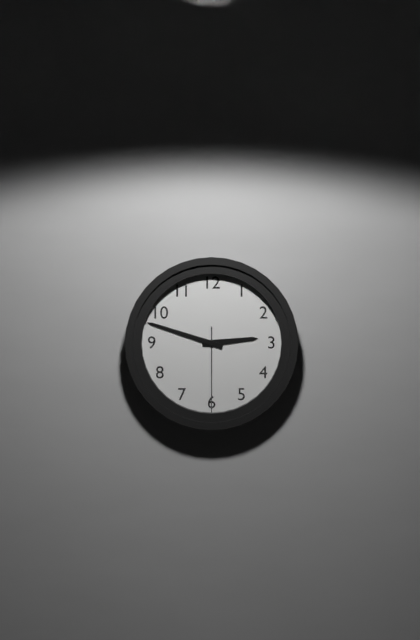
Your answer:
2:48:30
